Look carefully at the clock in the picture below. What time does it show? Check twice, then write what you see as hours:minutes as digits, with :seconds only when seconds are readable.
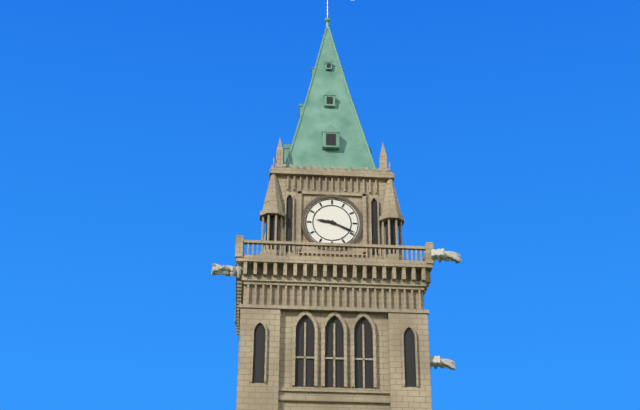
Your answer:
9:19
